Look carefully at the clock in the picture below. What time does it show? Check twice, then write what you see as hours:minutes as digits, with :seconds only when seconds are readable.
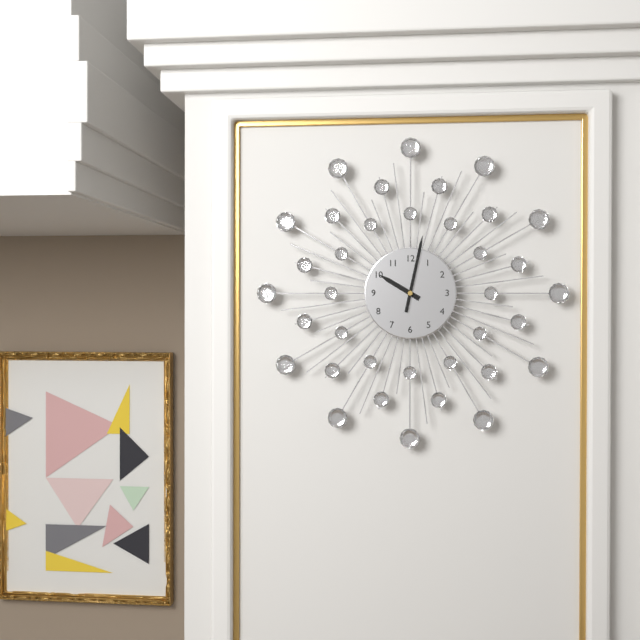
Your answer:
10:02
